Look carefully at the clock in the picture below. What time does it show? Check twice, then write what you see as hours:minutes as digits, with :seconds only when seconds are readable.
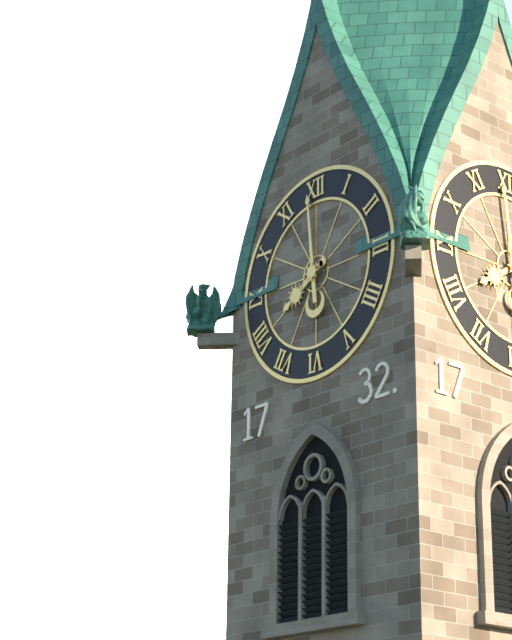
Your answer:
7:59
